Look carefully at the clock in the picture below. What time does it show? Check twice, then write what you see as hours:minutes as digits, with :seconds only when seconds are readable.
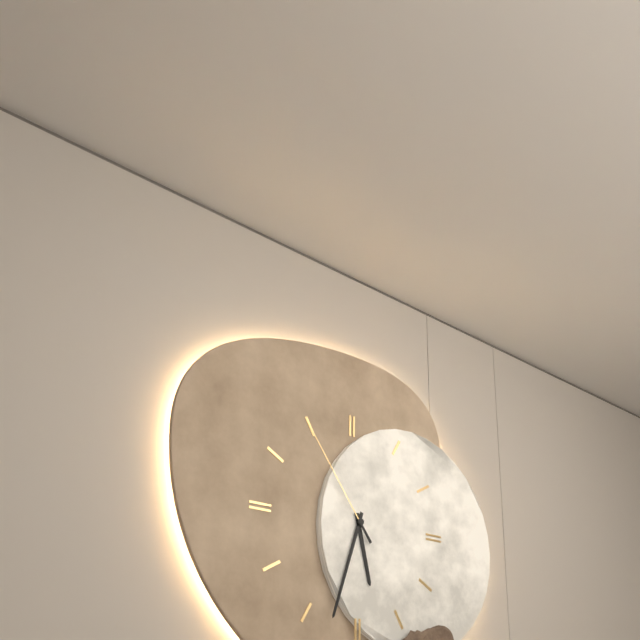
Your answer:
5:33:54
